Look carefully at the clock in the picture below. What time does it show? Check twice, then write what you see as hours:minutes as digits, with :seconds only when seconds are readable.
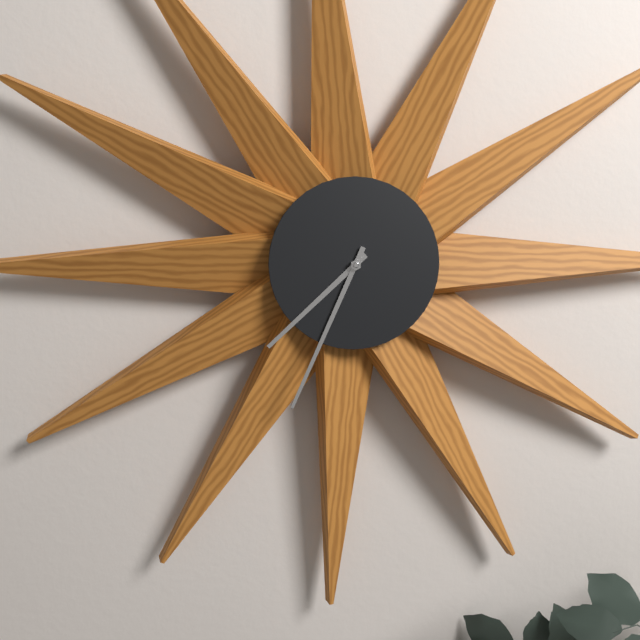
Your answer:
7:34
